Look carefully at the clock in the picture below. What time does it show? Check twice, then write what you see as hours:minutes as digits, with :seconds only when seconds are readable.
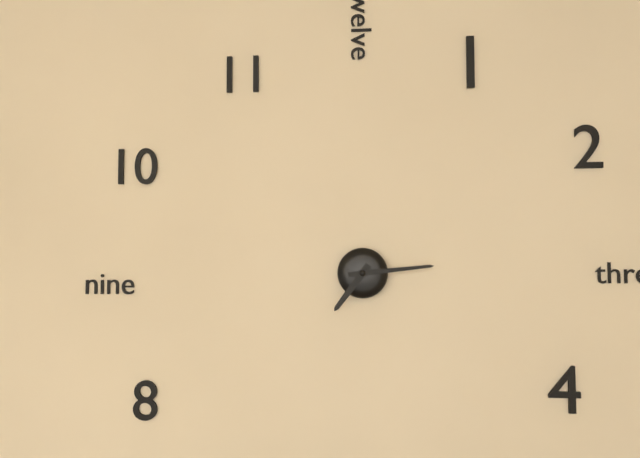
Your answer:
7:14
